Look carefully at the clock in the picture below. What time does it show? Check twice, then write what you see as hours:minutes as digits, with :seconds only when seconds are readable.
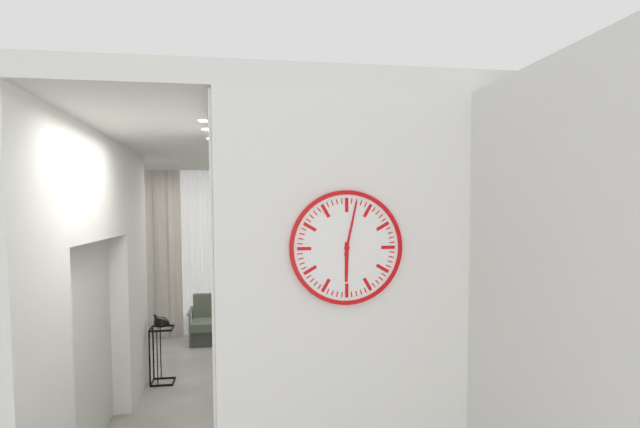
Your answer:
6:02
